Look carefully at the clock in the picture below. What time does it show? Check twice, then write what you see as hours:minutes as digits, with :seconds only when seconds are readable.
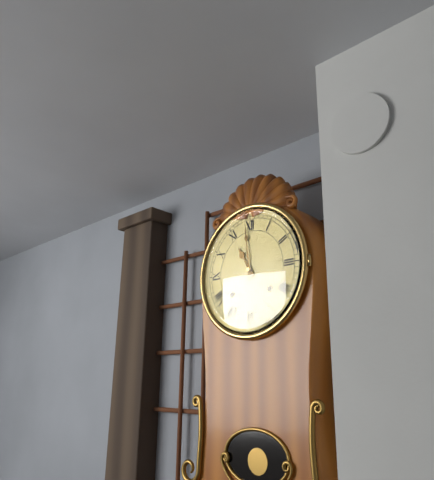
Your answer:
10:59
